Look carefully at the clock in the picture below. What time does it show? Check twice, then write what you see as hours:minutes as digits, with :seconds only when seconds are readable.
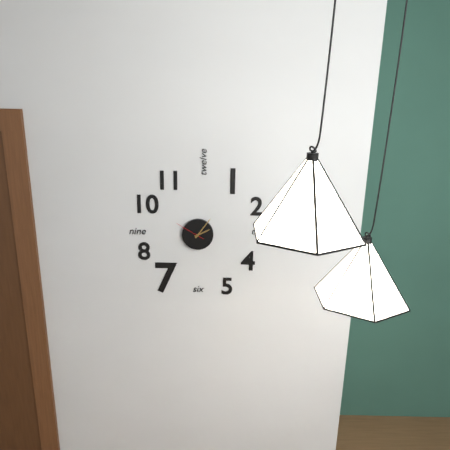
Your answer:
2:06
